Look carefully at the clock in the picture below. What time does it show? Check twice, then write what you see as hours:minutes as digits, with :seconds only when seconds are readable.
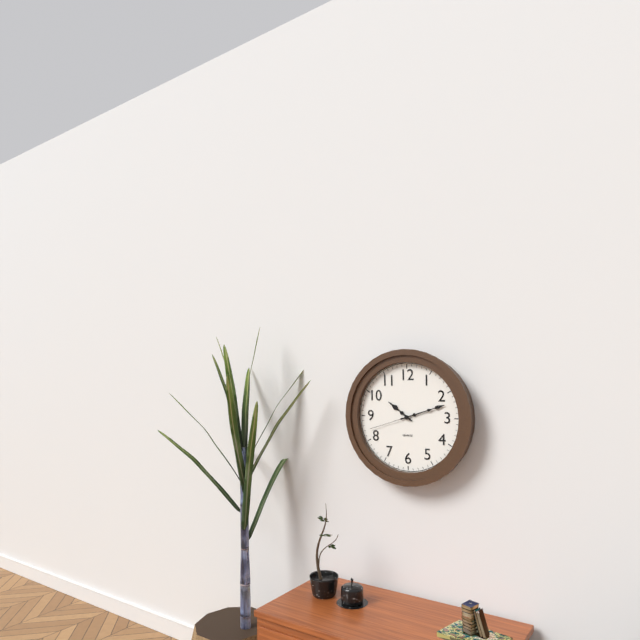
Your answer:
10:12
